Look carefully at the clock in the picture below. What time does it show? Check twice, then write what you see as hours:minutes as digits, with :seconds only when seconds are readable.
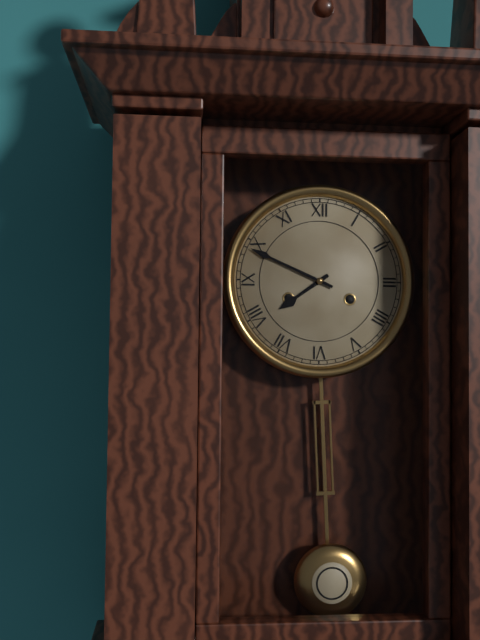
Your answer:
7:49
